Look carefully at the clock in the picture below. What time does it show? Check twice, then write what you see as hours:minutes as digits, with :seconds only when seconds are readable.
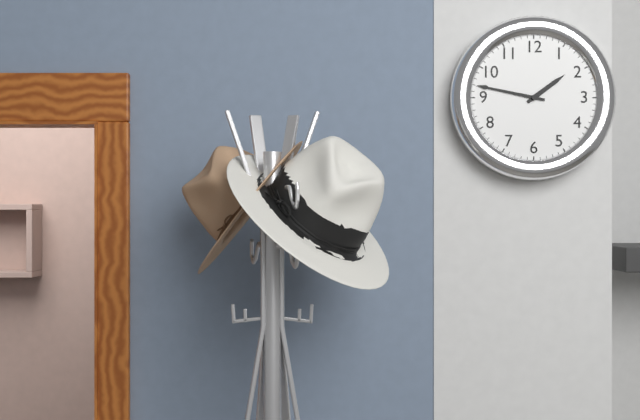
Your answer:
1:47
